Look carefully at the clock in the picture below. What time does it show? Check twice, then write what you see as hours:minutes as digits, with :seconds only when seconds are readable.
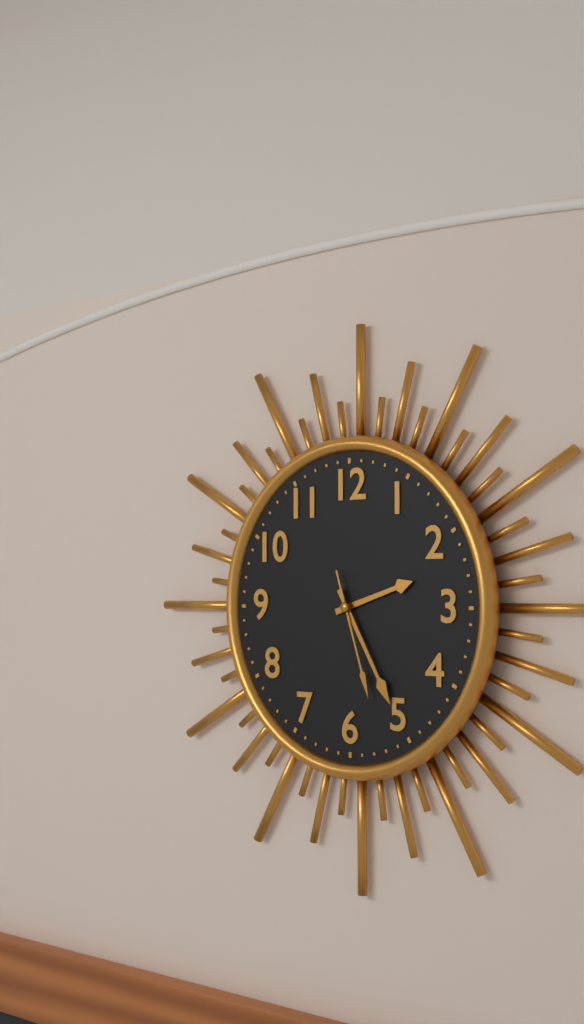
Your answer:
2:25:27
